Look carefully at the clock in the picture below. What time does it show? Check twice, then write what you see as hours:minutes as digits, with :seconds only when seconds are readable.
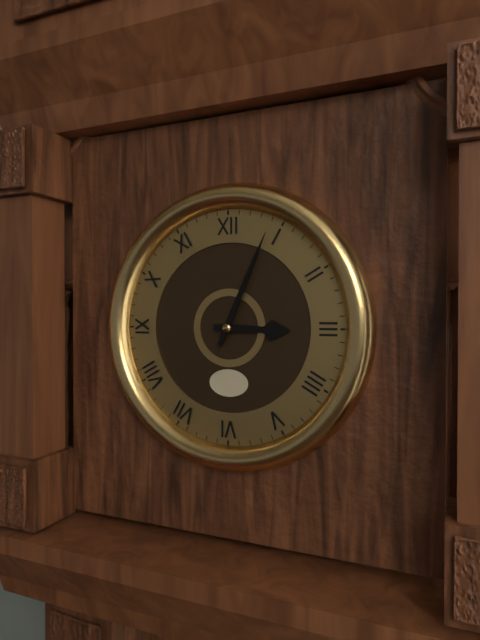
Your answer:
3:04
